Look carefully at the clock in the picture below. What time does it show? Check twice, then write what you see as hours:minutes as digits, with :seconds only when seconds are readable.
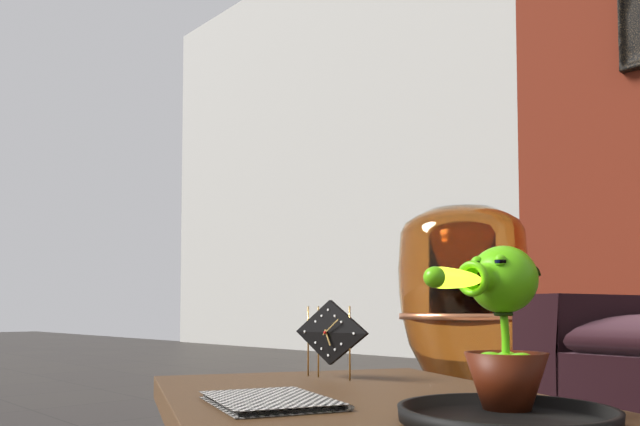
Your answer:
5:09
